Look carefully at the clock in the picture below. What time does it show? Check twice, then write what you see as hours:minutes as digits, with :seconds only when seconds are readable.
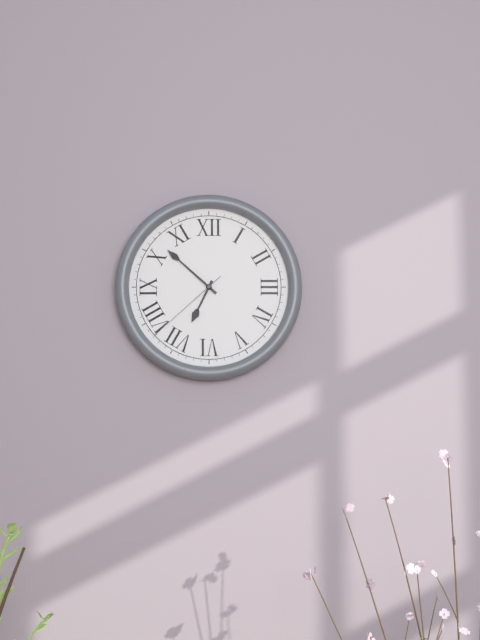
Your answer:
6:52:38
